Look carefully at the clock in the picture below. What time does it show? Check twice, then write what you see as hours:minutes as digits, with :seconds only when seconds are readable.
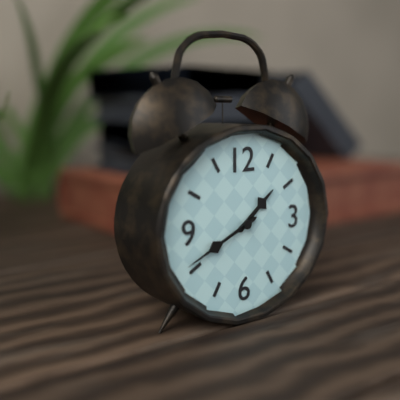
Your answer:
1:41
